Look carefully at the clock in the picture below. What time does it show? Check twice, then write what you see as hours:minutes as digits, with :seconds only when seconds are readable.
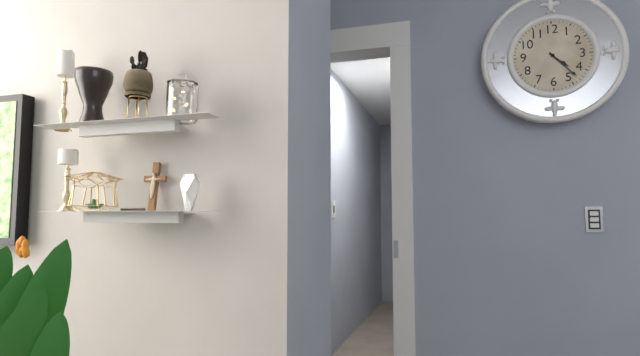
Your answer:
4:23
